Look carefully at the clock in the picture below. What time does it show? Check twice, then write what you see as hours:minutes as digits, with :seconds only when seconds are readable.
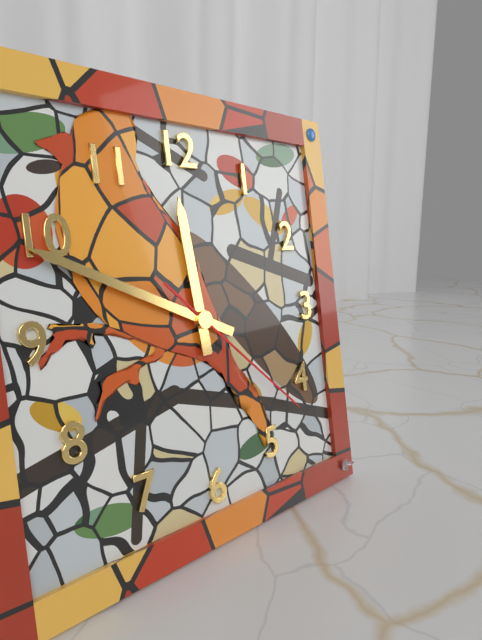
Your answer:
11:49:22
